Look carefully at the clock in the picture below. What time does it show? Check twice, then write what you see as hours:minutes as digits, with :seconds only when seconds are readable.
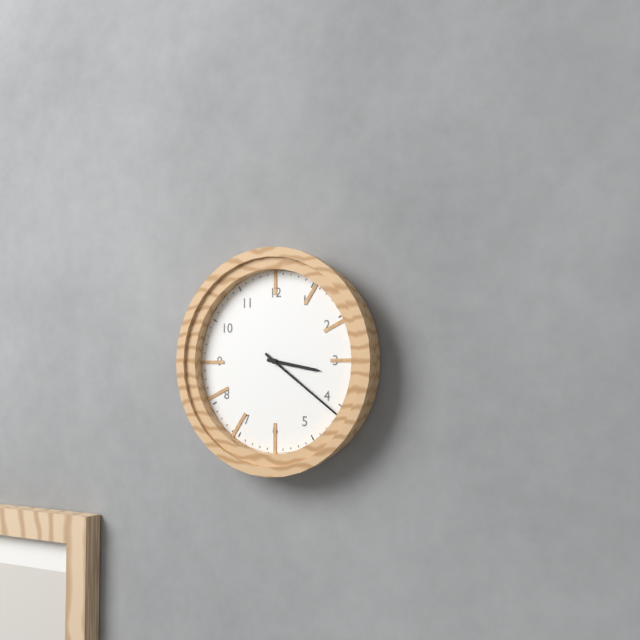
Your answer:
3:21
